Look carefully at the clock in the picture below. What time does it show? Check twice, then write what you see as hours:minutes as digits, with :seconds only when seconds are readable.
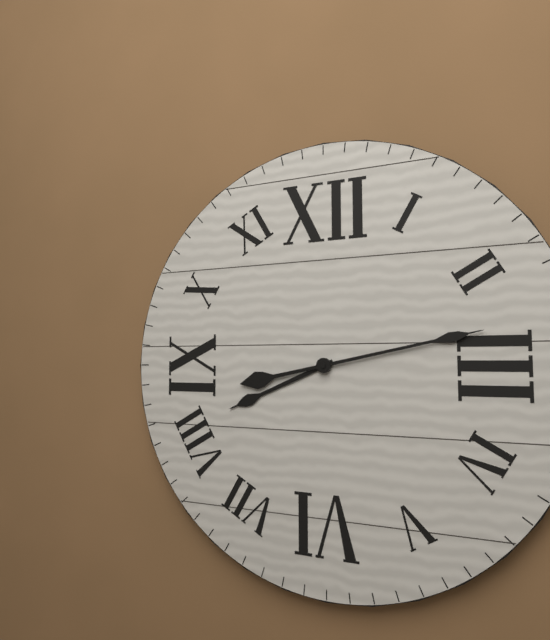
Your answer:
8:13
